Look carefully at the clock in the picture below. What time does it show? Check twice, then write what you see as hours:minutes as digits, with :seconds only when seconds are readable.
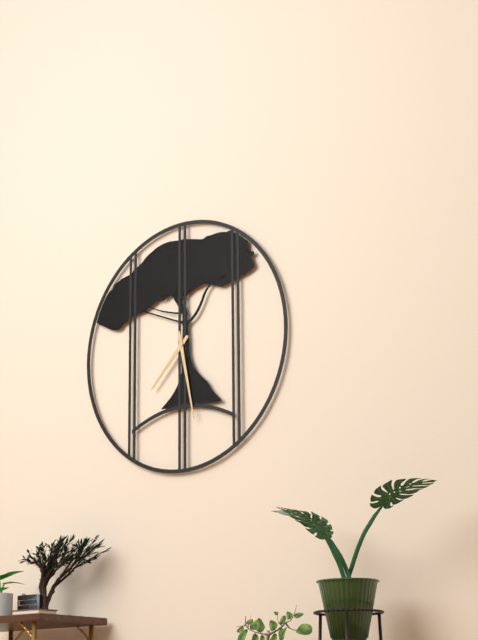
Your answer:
7:28
